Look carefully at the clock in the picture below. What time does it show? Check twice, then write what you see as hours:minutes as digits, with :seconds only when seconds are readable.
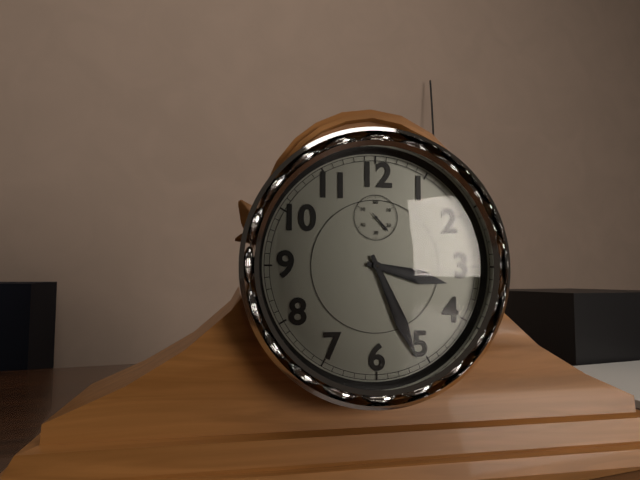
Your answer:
3:26
